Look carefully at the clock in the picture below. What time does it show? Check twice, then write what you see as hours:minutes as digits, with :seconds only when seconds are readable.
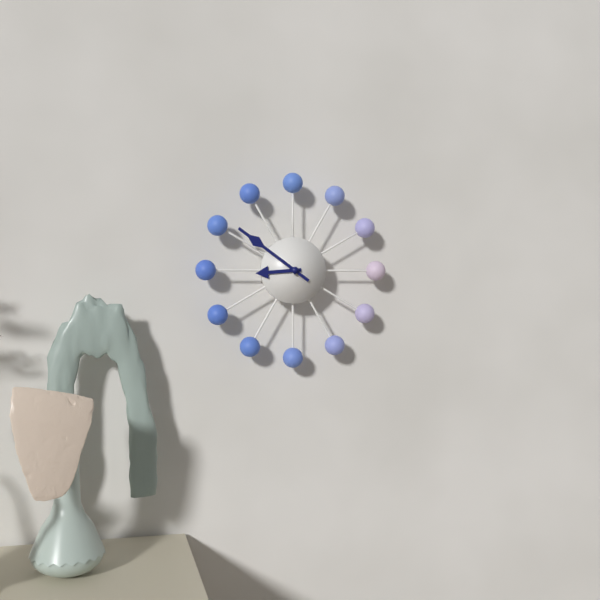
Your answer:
8:51
